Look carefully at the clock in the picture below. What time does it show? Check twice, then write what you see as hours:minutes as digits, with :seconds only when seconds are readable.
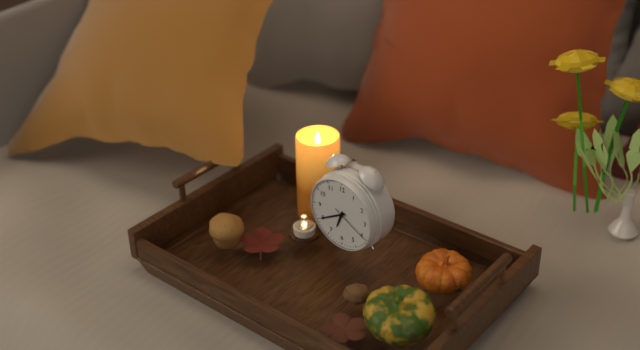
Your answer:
6:40
